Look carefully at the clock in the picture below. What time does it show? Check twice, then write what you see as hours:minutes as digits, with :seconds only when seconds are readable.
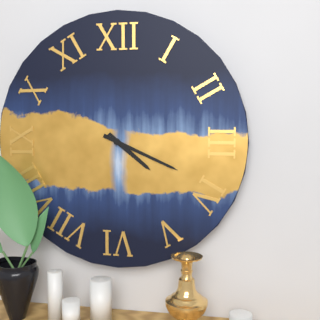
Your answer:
4:19
